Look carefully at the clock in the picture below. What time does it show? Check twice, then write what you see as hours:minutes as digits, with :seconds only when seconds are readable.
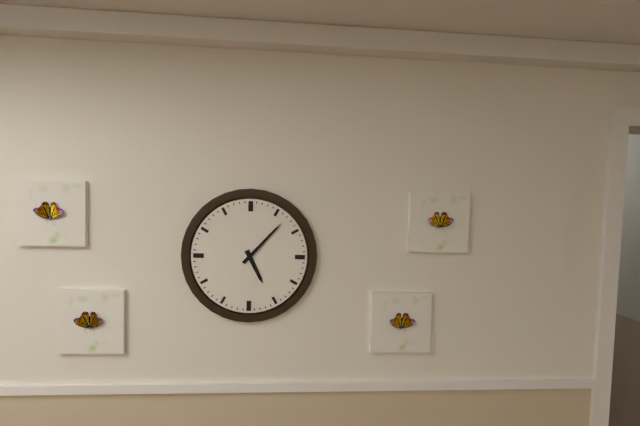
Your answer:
5:07
